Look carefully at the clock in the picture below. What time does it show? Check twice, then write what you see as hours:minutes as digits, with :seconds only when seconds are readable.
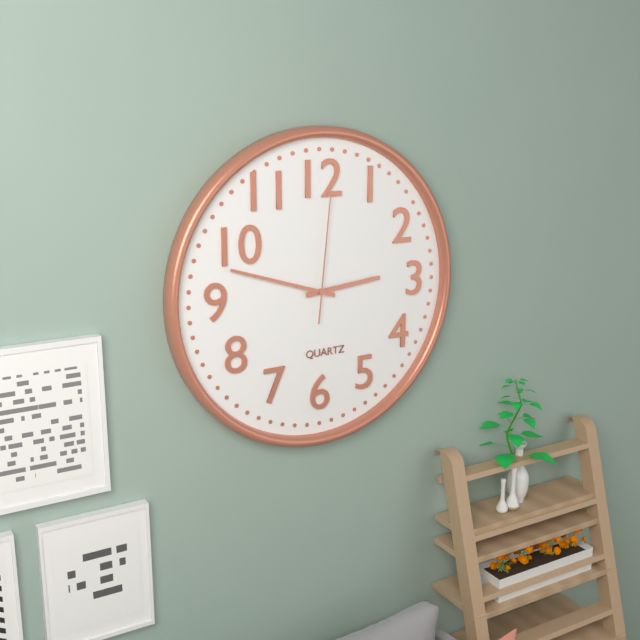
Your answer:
2:48:01
